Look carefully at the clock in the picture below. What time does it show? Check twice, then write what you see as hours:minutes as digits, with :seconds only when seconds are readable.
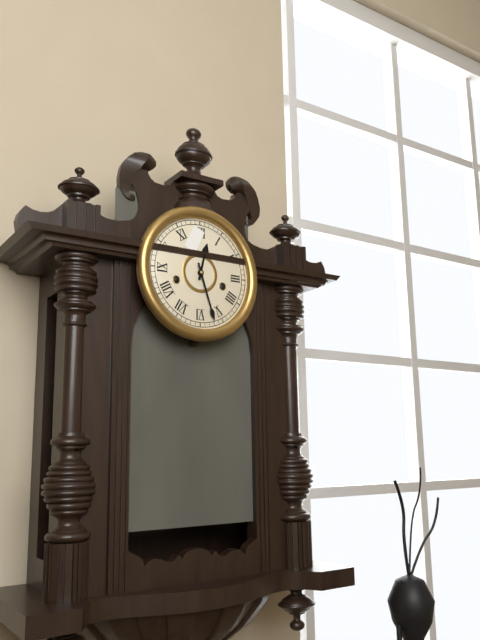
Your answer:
12:27
